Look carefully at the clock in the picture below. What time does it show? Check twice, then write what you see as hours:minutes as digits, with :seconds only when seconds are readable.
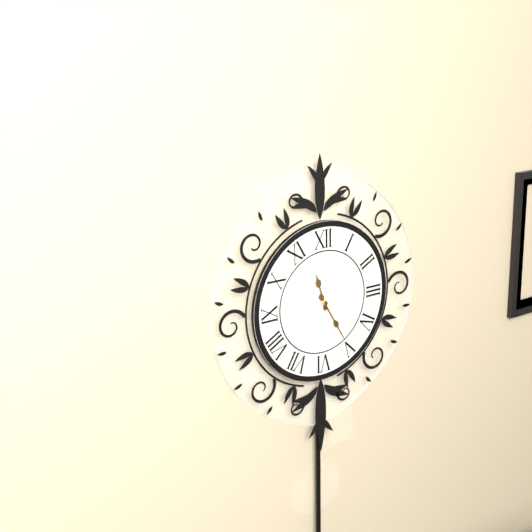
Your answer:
11:25
